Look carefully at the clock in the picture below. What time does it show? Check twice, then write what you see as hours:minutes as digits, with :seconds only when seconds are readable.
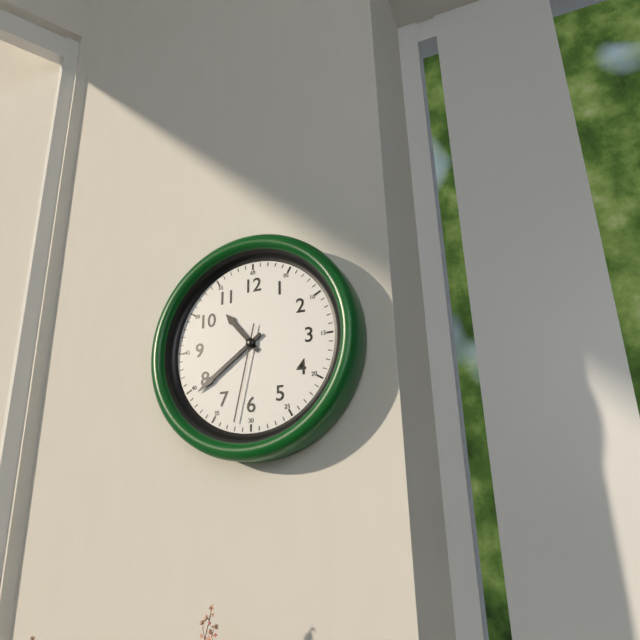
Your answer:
10:39:32
